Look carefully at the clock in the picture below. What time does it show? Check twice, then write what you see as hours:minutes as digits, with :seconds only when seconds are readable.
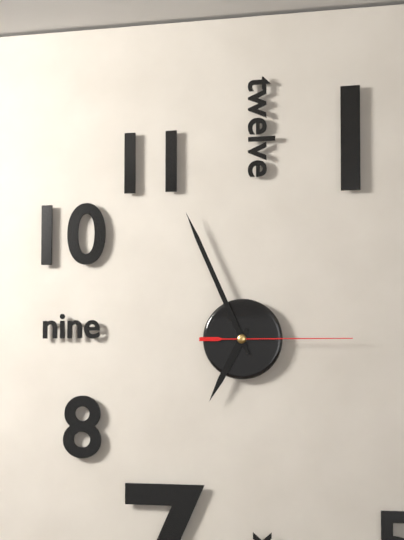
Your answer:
6:56:15
